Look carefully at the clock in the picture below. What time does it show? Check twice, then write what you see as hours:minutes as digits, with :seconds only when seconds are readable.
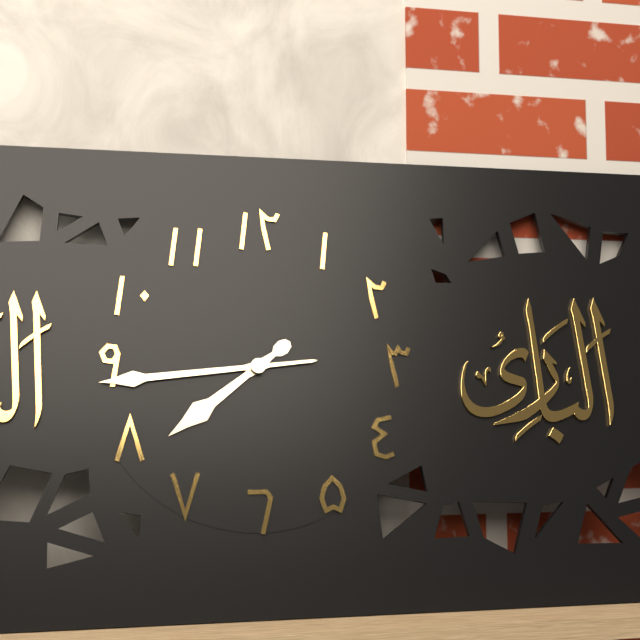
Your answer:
7:44
